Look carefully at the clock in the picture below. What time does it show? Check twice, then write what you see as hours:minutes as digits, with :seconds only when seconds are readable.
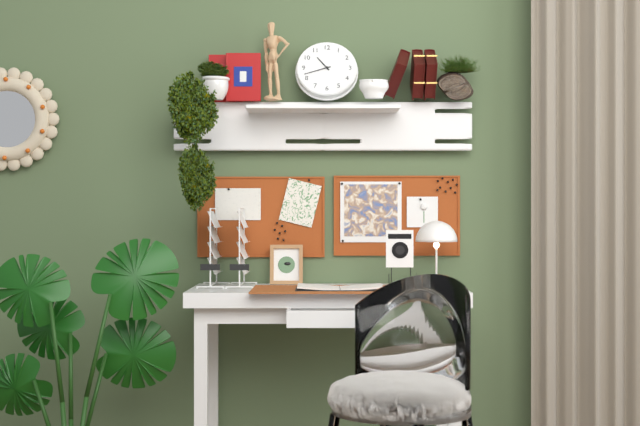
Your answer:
10:42
